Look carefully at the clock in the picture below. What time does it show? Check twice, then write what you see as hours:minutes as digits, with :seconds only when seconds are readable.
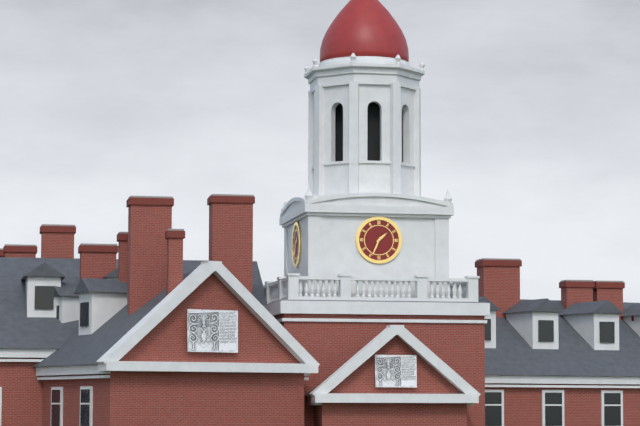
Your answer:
1:34
